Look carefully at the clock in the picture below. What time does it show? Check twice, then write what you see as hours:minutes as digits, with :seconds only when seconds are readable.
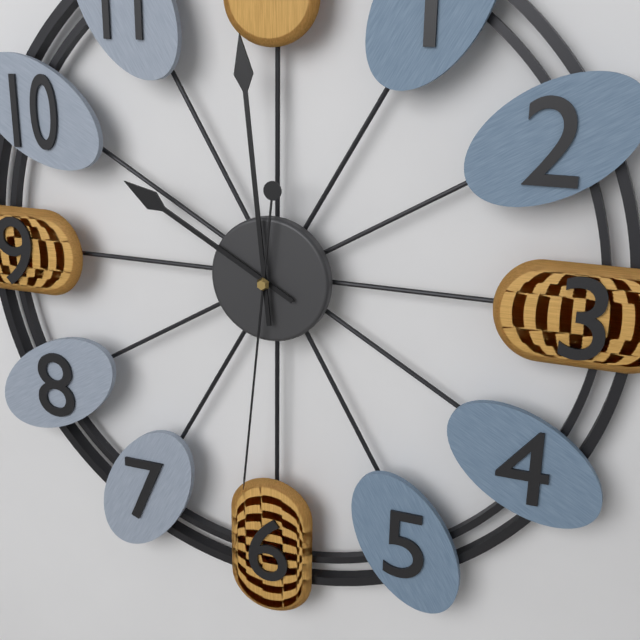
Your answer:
9:59:31
